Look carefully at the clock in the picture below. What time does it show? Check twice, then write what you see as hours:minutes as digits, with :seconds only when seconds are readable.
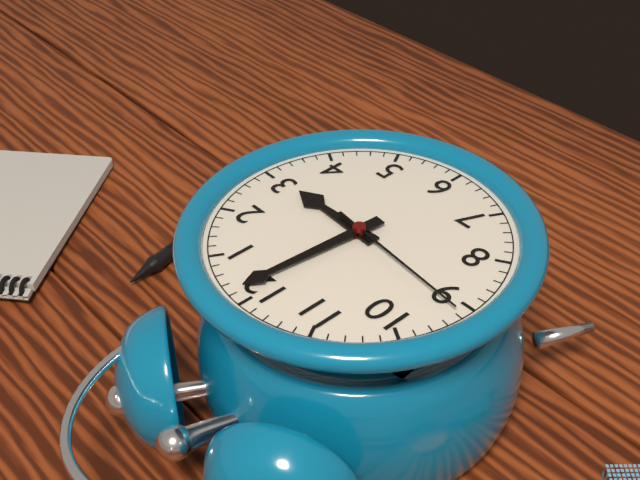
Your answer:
3:01:46
